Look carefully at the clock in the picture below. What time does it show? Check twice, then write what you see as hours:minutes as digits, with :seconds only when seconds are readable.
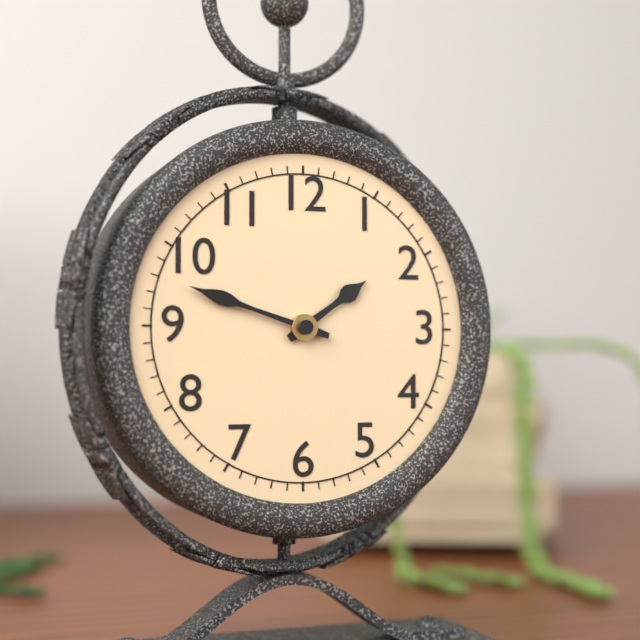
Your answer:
1:48
